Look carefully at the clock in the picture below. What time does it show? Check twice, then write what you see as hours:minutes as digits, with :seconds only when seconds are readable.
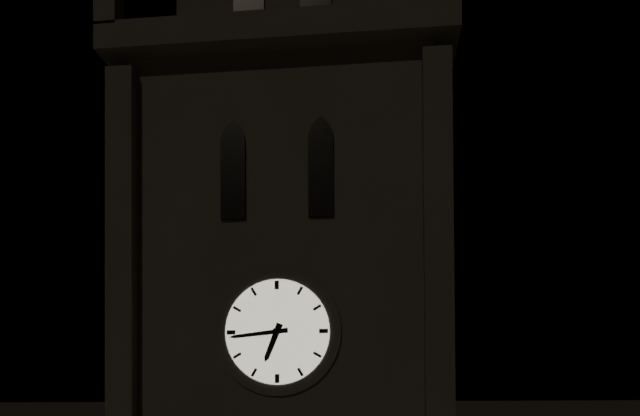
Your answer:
6:44
